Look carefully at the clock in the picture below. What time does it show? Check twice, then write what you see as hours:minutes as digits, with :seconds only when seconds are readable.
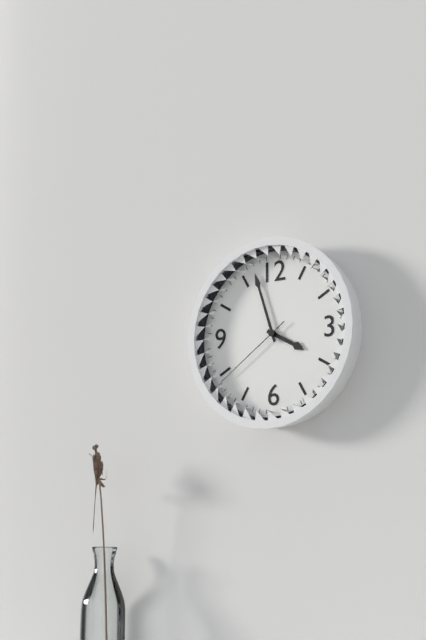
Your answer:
3:57:39
